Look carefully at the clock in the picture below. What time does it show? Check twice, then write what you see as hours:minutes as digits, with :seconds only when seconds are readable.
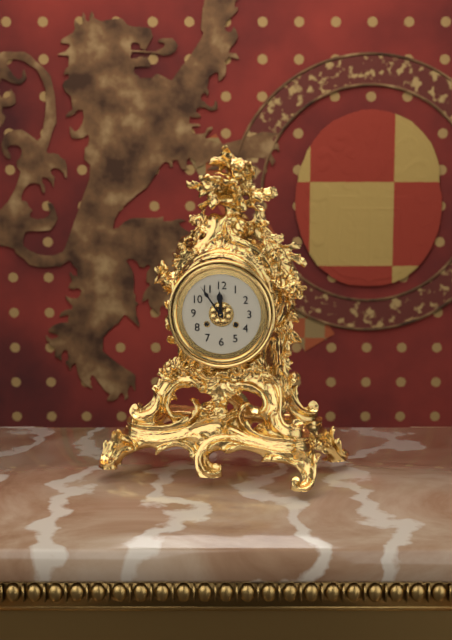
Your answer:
11:54
